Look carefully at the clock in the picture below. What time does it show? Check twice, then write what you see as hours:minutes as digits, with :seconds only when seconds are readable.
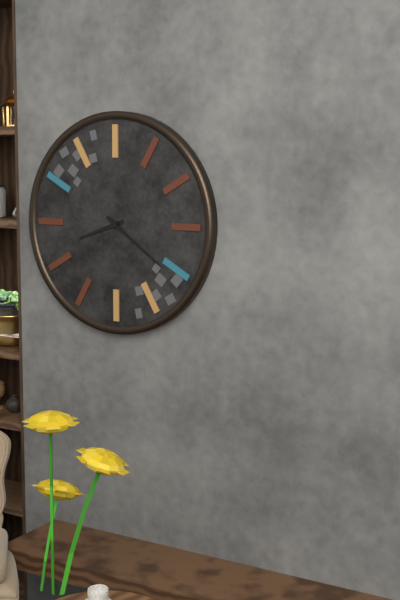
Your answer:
8:21
